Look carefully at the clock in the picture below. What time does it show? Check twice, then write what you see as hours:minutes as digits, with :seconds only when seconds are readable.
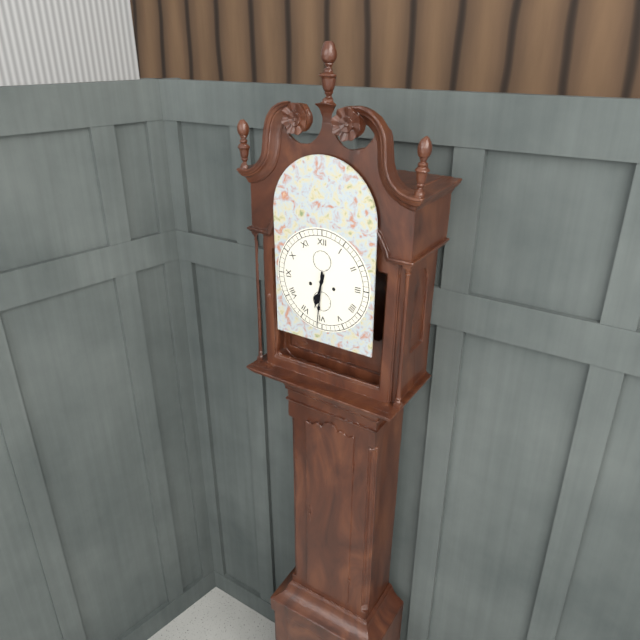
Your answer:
6:31
